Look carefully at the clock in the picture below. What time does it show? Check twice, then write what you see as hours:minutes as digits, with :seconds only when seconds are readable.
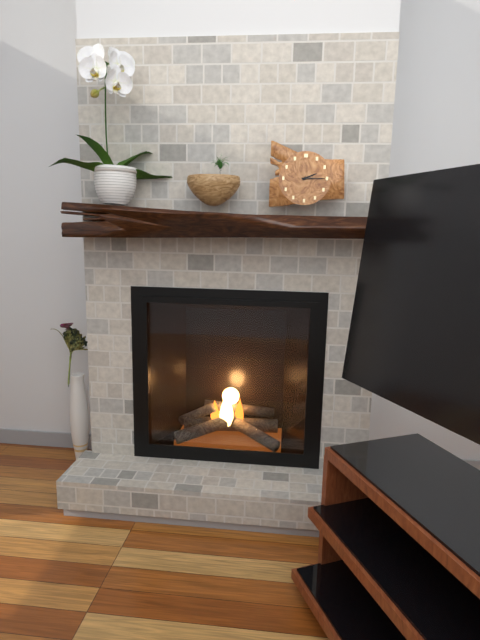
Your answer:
2:15
